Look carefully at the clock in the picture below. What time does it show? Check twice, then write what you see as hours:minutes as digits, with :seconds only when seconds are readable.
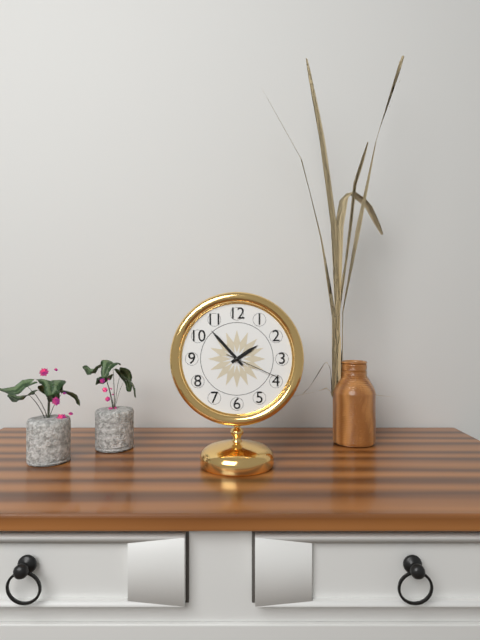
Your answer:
1:53:19
